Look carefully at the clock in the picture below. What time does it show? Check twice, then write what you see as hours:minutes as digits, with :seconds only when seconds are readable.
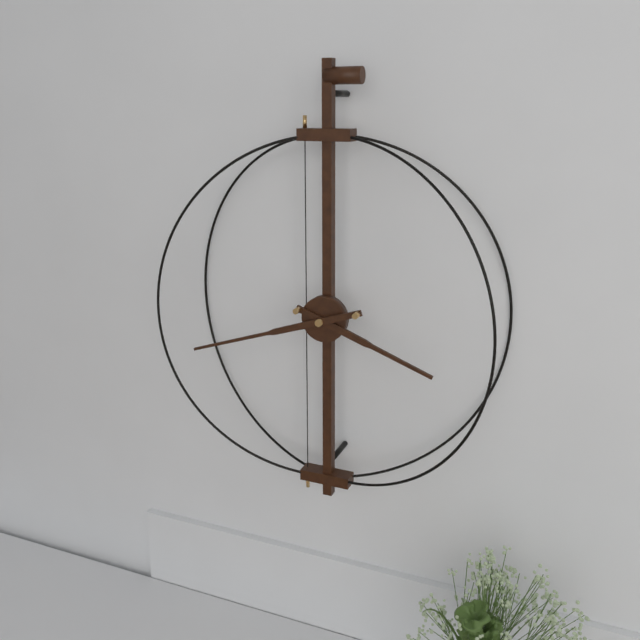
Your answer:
3:42
